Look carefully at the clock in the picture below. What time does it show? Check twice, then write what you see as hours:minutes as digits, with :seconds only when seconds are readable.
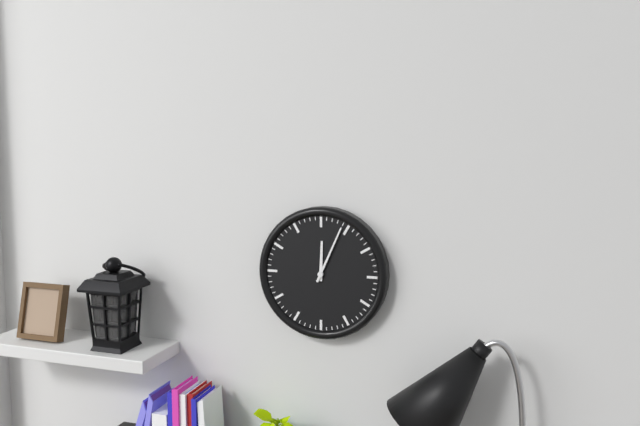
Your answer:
12:04
